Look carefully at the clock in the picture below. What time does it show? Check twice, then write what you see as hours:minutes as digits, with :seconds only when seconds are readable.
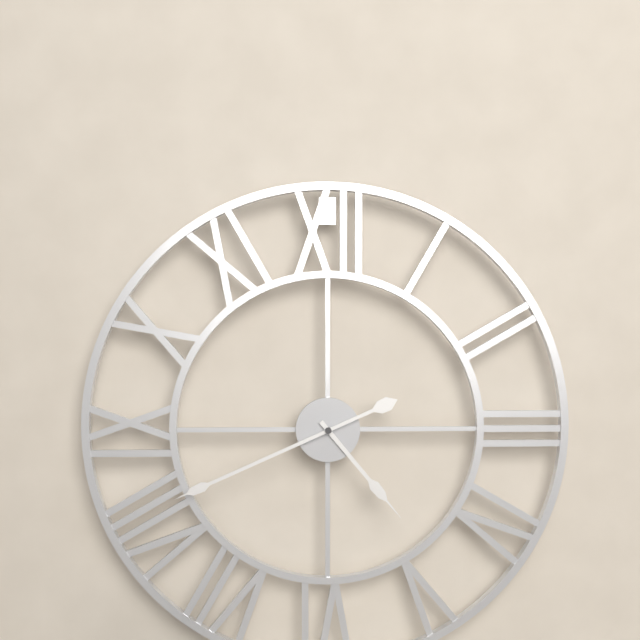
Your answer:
4:41
